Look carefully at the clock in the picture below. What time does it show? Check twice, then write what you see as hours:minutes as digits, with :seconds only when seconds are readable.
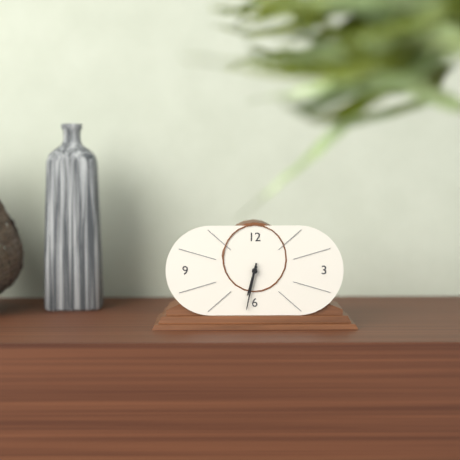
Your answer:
6:32
